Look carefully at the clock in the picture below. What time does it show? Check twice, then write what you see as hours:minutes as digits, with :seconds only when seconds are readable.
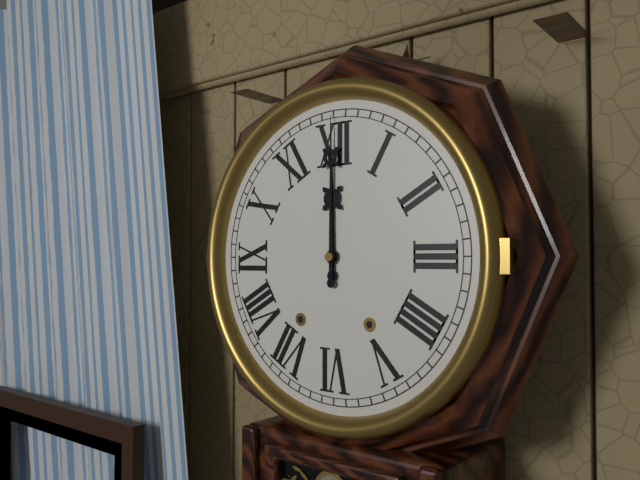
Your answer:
12:00
